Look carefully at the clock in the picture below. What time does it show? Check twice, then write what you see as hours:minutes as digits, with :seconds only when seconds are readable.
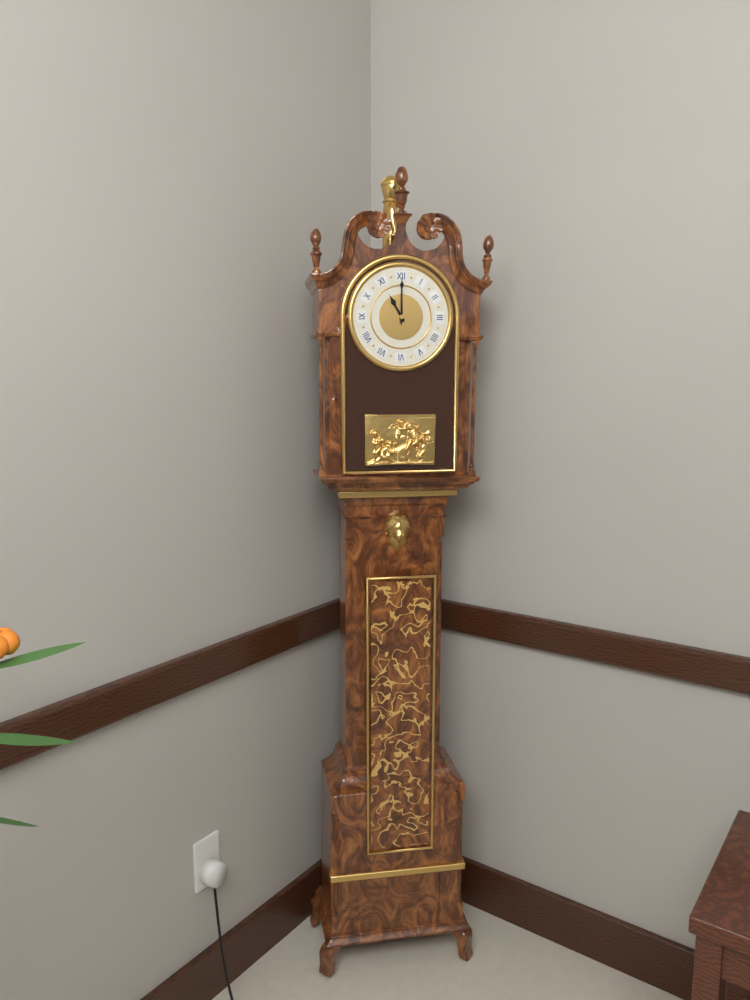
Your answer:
11:00
